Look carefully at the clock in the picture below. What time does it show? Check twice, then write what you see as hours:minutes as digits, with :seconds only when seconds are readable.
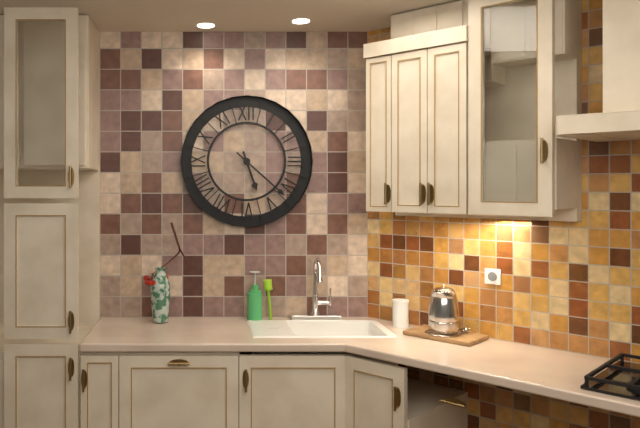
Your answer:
5:22
